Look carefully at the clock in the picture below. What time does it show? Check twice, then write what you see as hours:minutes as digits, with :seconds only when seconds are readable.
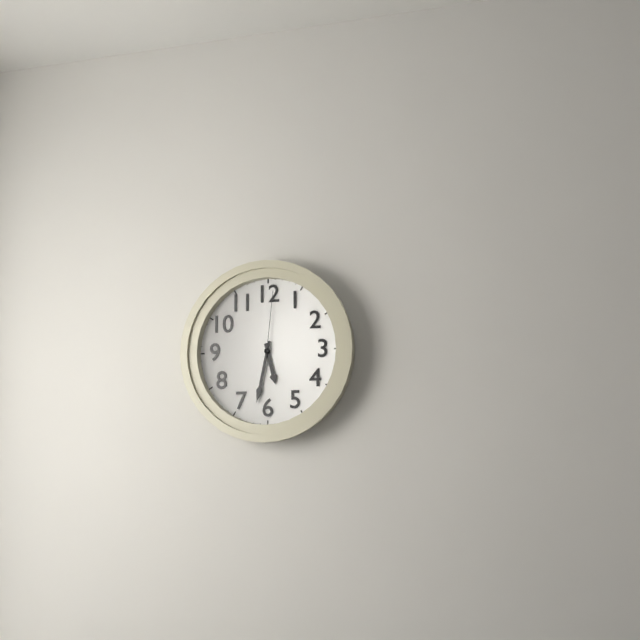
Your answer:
5:32:01
